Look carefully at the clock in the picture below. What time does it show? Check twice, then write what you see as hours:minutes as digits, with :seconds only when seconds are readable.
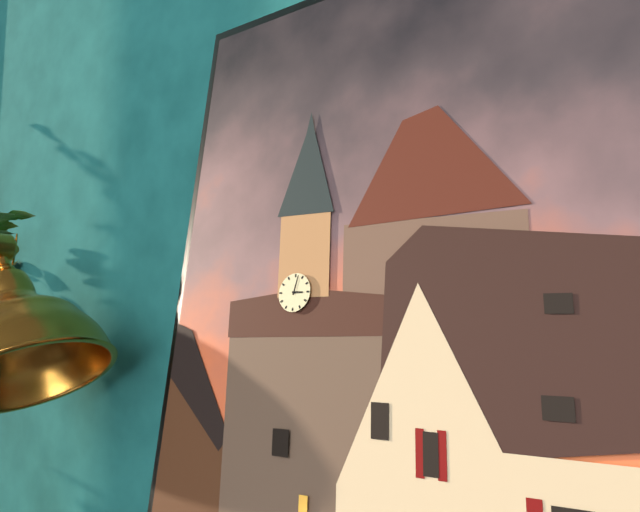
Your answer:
3:02
